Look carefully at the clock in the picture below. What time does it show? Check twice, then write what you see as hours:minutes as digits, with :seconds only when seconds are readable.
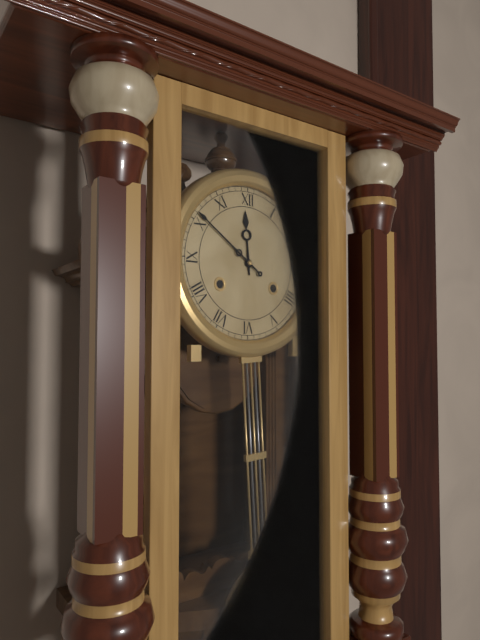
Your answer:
11:51
